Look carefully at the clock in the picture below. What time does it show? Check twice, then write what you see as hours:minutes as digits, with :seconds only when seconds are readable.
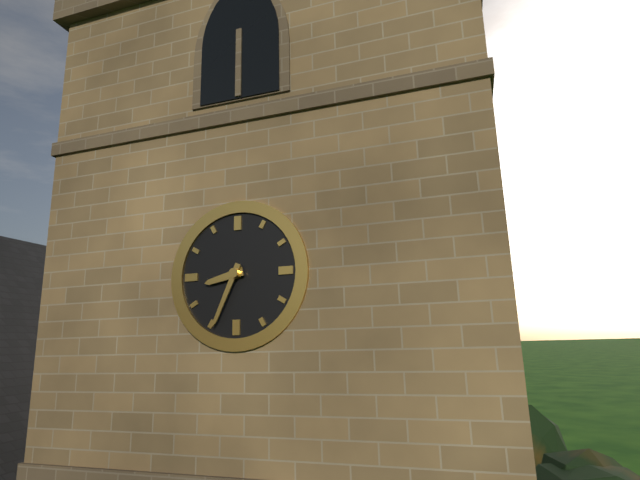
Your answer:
8:34
